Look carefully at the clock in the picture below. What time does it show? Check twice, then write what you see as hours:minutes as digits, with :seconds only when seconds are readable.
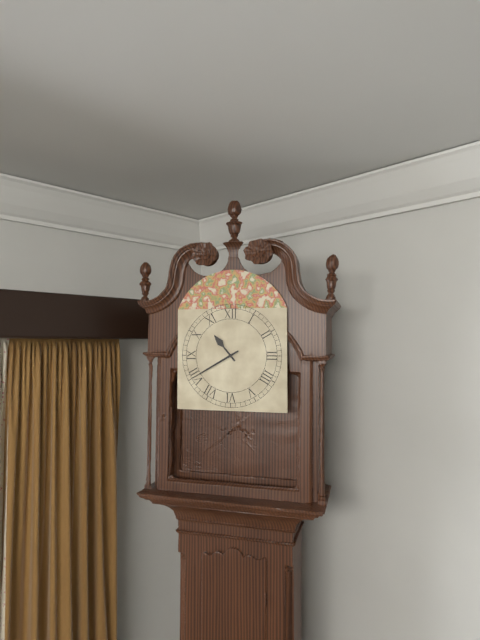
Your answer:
10:40
